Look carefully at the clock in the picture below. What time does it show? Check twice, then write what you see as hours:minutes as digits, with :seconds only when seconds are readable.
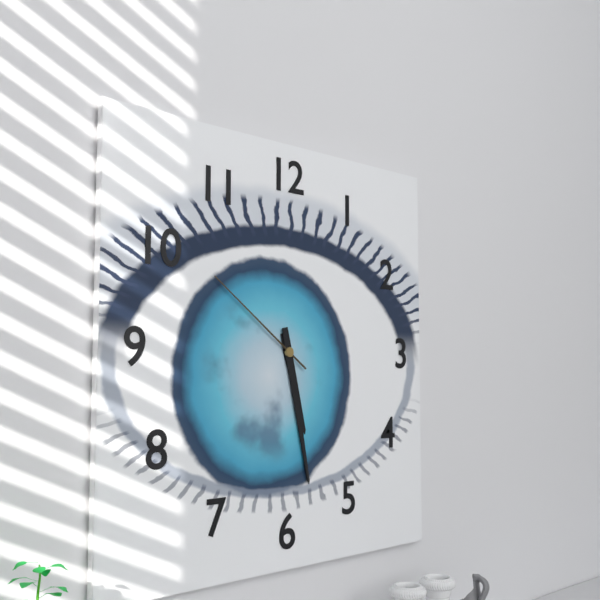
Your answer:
5:28:51
